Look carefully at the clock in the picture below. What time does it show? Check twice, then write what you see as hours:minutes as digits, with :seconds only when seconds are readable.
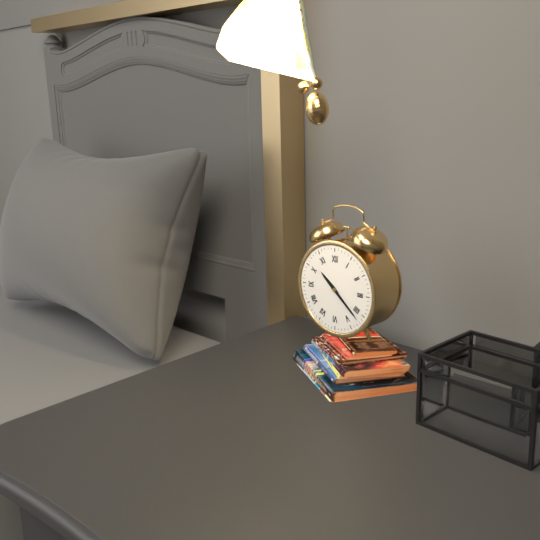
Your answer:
10:22
